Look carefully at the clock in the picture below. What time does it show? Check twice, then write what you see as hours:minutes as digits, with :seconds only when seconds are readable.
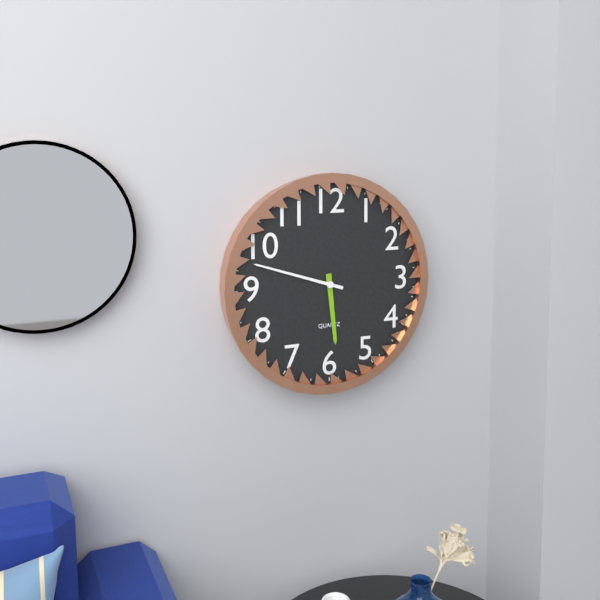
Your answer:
5:48
